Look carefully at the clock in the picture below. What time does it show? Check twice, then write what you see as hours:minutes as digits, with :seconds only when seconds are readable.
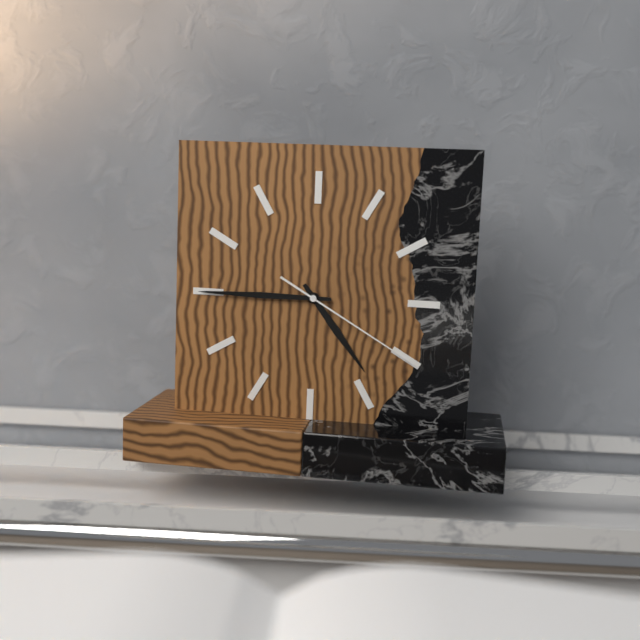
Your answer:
4:45:20
